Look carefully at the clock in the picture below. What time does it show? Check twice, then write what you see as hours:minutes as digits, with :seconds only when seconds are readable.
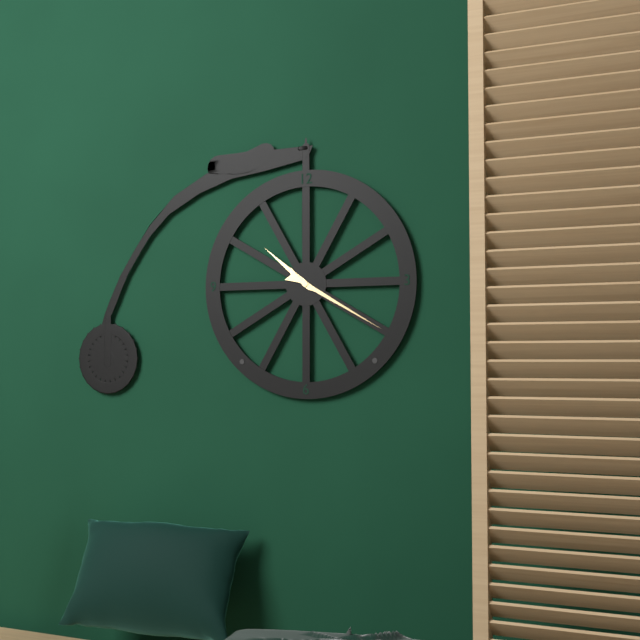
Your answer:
10:20
